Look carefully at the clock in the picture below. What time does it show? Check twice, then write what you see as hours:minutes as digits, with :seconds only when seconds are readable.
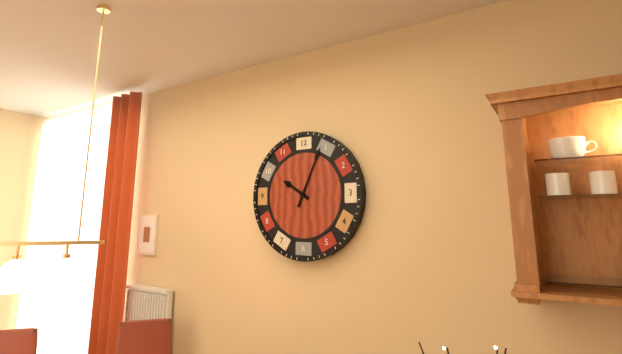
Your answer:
10:04
